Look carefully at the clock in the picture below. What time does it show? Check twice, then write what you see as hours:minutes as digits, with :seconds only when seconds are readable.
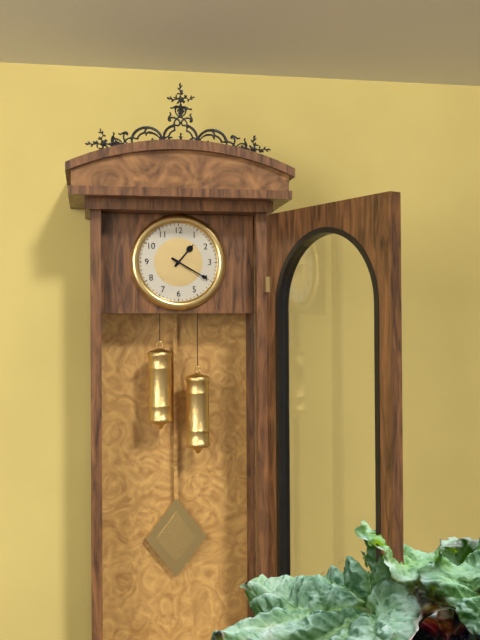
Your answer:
1:20
